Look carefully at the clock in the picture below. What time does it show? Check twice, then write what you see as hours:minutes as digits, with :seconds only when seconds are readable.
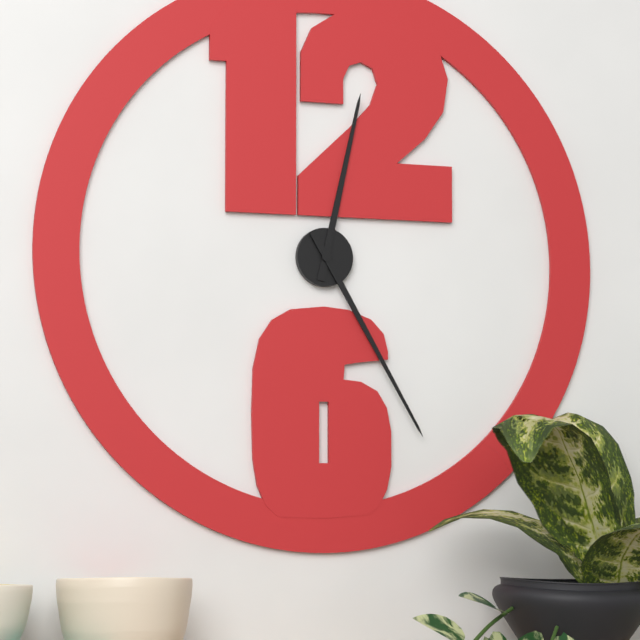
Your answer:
12:25
